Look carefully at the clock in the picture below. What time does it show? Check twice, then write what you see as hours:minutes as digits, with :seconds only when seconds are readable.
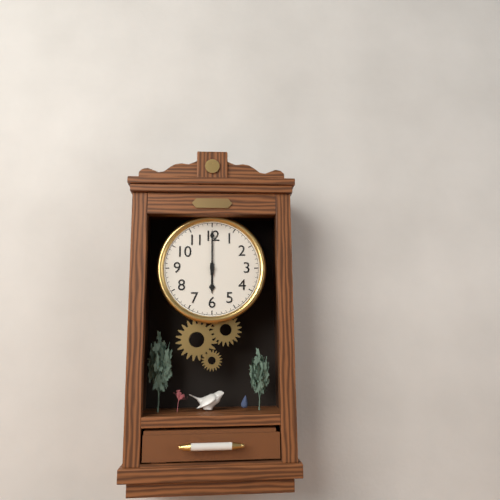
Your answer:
6:00
